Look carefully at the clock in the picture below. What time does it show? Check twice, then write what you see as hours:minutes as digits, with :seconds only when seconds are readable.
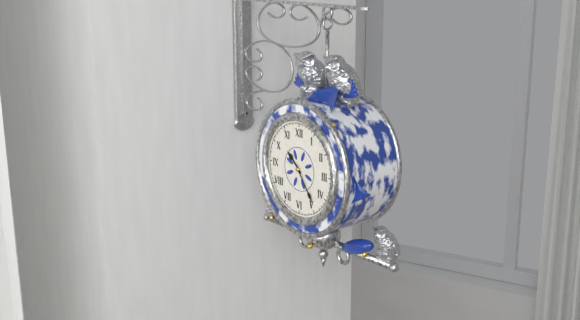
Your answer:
10:24
